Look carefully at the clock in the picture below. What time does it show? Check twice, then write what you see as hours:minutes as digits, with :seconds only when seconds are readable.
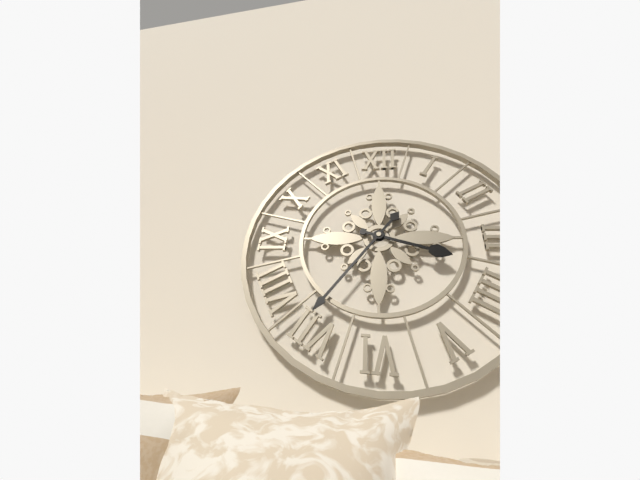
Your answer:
3:36
